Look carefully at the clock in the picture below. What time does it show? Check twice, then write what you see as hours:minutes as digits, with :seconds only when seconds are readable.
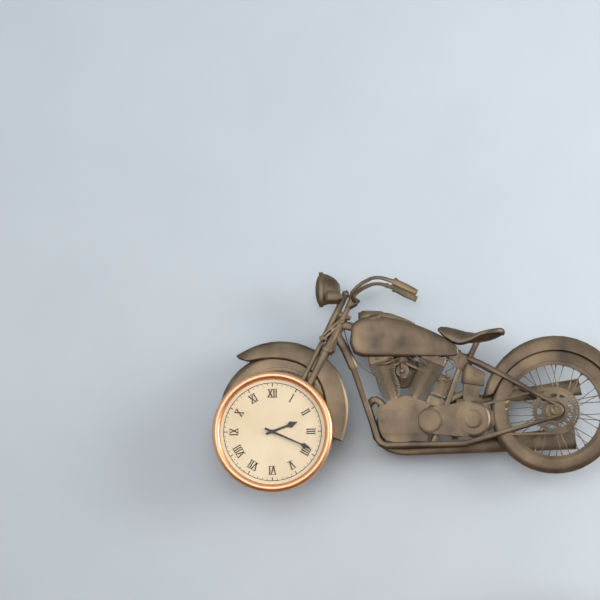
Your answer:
2:19
